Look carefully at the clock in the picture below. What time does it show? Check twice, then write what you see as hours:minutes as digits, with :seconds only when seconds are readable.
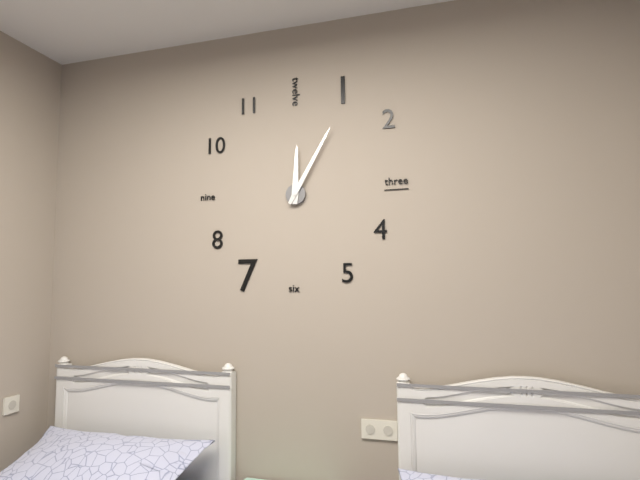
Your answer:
12:05
